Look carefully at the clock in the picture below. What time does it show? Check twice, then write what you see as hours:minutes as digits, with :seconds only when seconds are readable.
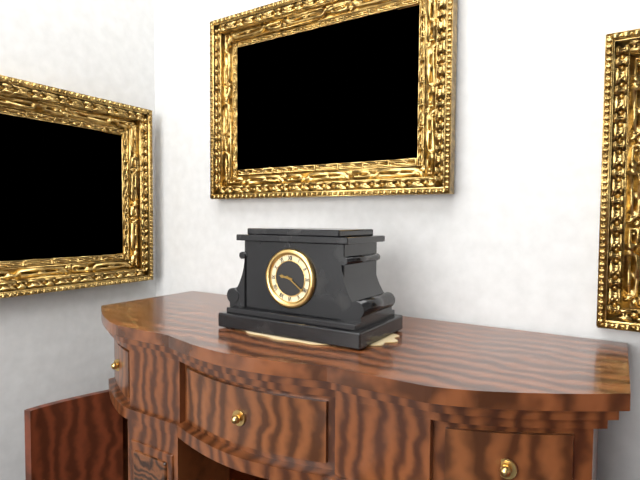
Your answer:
9:21
